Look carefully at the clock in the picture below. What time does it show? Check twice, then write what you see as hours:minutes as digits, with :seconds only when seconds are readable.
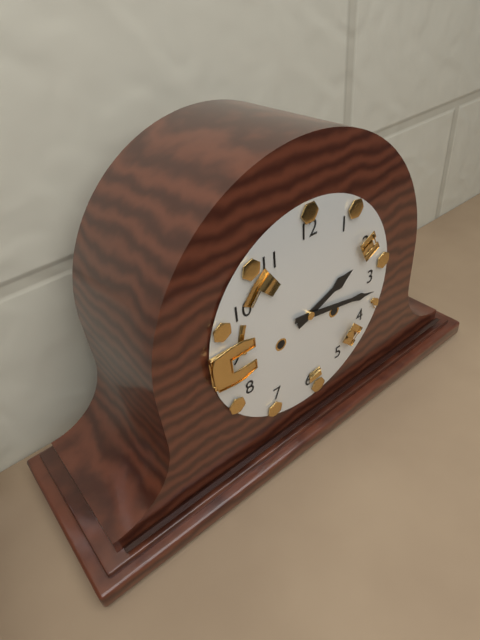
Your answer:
2:17
